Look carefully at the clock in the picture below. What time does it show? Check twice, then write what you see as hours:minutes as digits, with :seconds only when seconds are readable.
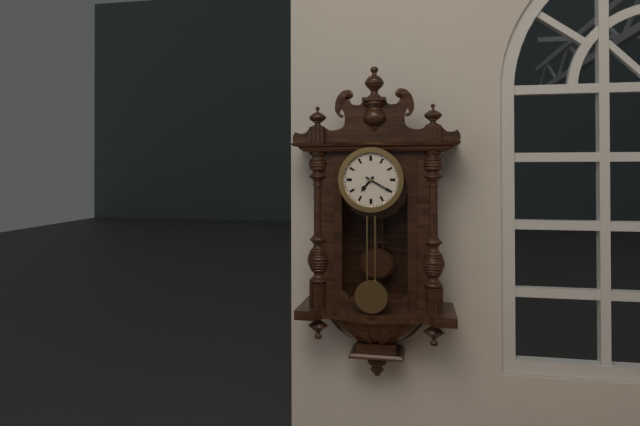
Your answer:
7:20
